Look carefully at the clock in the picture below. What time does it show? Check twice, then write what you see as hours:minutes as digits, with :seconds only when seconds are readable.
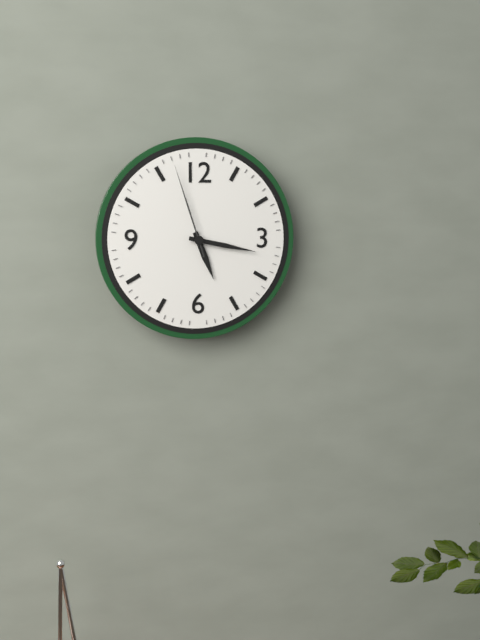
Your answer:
5:17:57
